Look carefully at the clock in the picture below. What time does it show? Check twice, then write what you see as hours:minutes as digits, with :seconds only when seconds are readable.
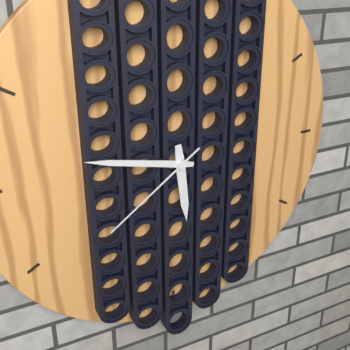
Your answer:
5:47:39
